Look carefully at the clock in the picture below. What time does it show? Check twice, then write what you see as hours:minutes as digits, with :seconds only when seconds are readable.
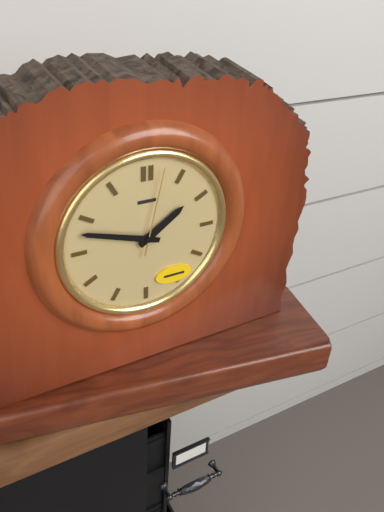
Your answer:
1:48:02
